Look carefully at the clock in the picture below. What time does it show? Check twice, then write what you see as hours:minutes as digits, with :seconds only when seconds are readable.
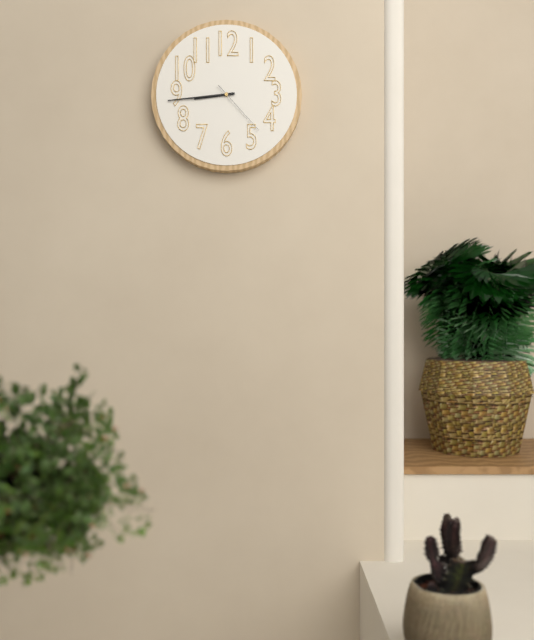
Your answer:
8:44:23
